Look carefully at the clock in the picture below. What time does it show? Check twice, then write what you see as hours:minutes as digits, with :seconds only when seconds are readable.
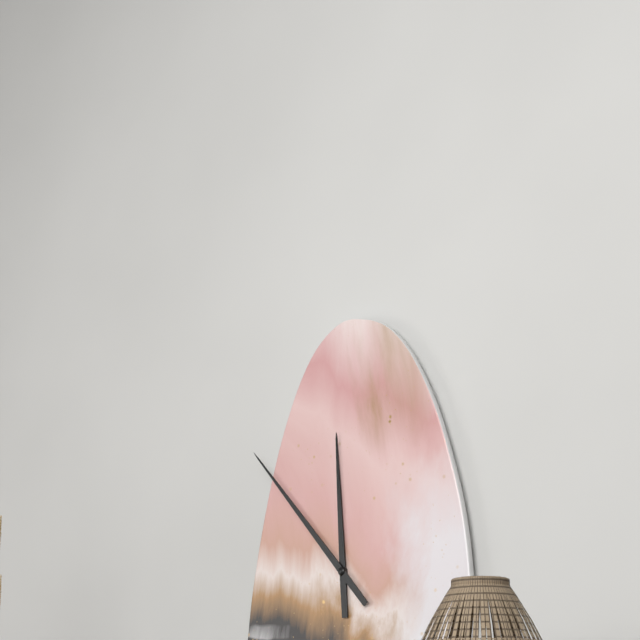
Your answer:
11:53
